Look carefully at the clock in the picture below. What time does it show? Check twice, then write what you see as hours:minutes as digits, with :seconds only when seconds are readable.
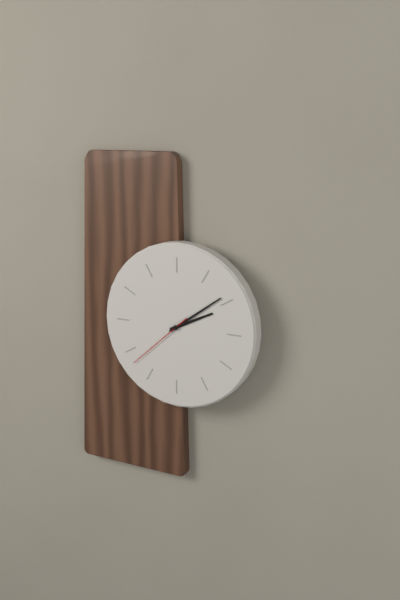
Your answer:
2:09:38
